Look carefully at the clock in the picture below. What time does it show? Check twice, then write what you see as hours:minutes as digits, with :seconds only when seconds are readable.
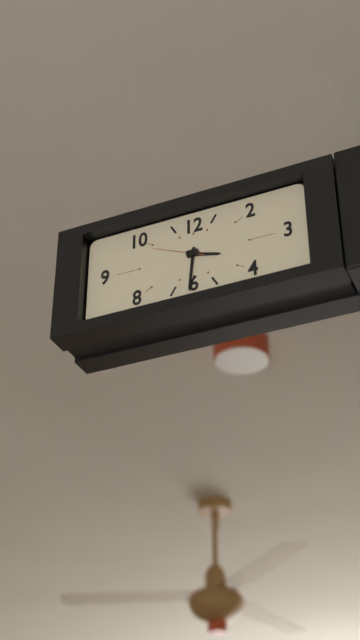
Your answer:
3:31:49
